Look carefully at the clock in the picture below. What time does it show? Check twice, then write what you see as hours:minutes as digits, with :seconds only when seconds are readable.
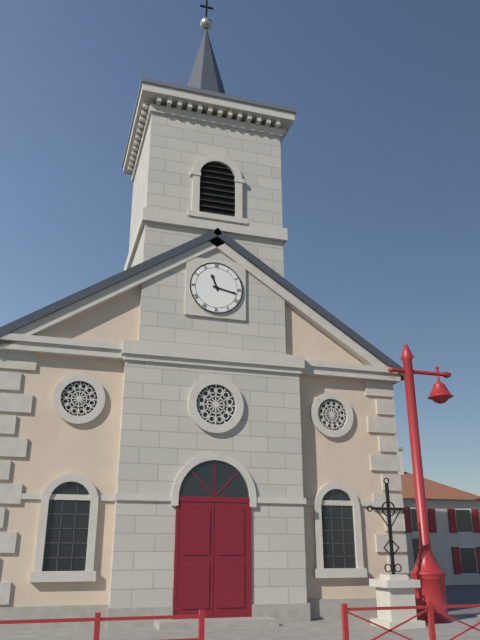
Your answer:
11:17
